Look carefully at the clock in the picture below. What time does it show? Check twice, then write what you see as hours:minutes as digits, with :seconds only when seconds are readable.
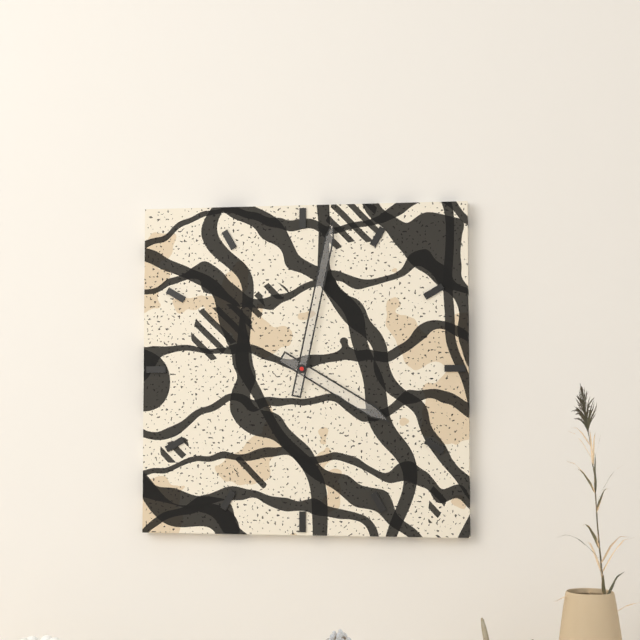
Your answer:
4:02
